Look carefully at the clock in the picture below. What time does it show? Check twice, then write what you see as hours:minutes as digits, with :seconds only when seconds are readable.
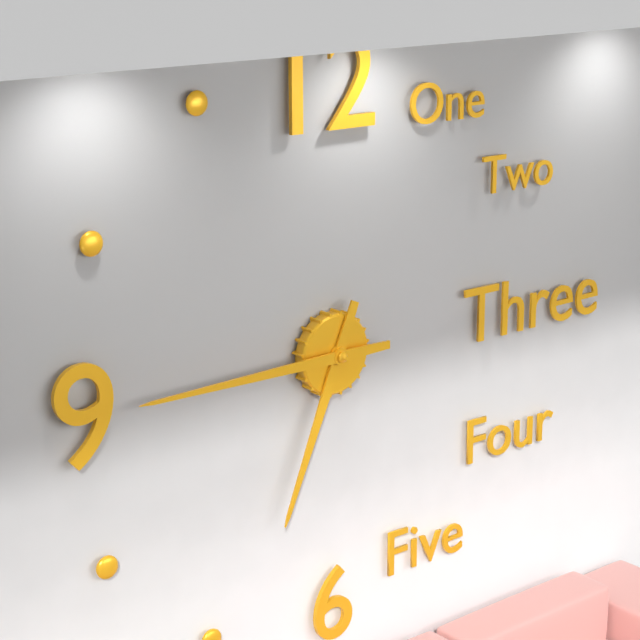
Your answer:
6:45
